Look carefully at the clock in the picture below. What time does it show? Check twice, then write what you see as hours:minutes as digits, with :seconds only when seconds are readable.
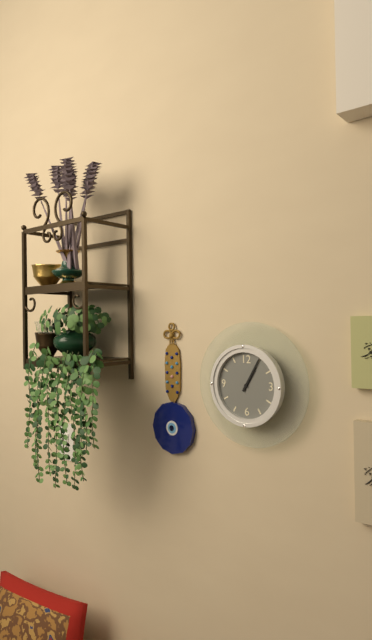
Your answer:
1:05
